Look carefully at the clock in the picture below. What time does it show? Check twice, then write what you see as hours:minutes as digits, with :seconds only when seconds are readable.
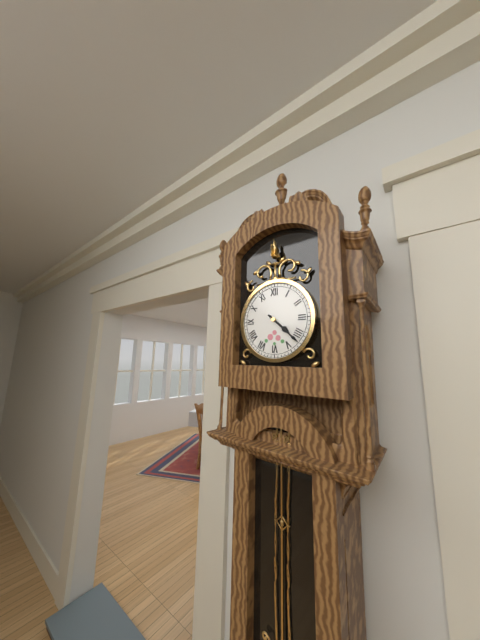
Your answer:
4:22
